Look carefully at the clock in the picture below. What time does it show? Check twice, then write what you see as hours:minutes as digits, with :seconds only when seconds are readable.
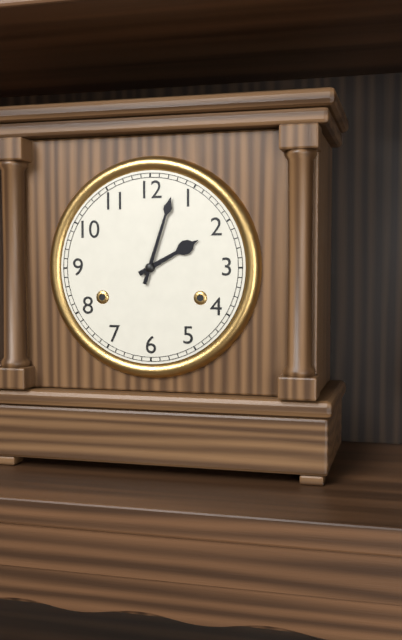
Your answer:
2:03
